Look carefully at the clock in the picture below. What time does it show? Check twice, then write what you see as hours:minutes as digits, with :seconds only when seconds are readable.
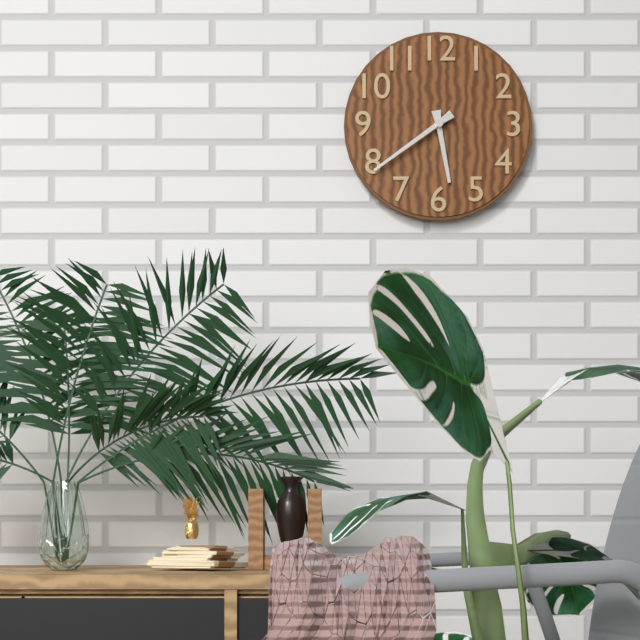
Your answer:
5:39
